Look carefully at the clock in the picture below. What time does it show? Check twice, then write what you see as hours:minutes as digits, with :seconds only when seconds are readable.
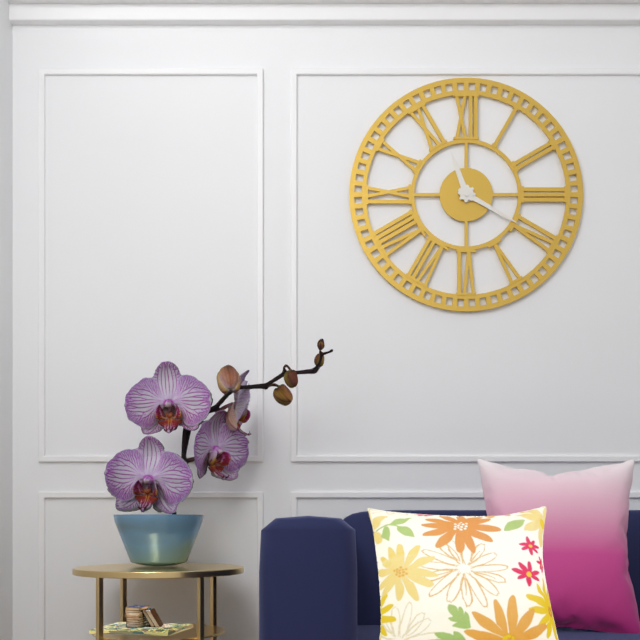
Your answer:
11:20
